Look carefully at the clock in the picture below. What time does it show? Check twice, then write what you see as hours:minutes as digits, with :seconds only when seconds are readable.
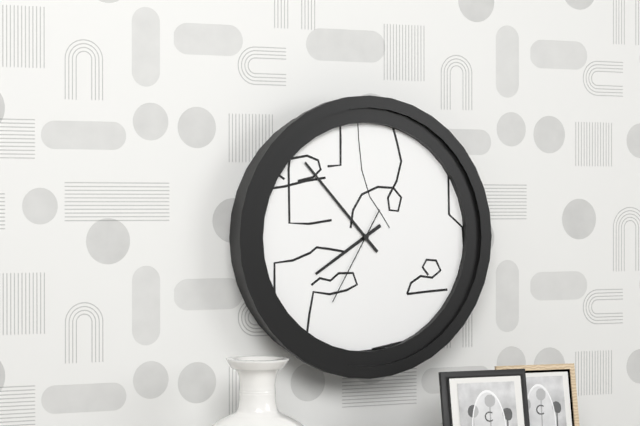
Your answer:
7:53:35
